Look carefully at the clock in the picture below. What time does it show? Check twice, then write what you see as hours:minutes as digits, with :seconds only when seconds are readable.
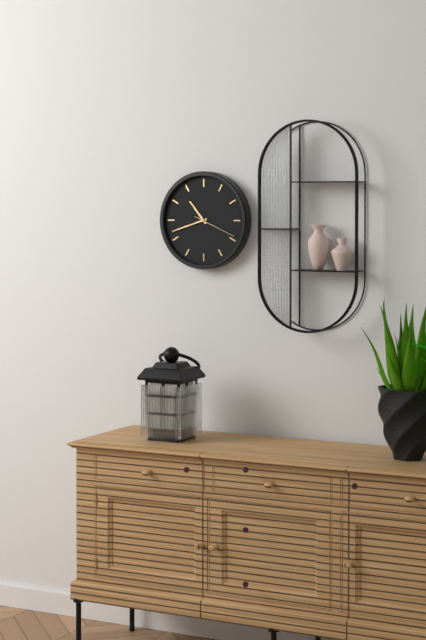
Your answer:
10:42
